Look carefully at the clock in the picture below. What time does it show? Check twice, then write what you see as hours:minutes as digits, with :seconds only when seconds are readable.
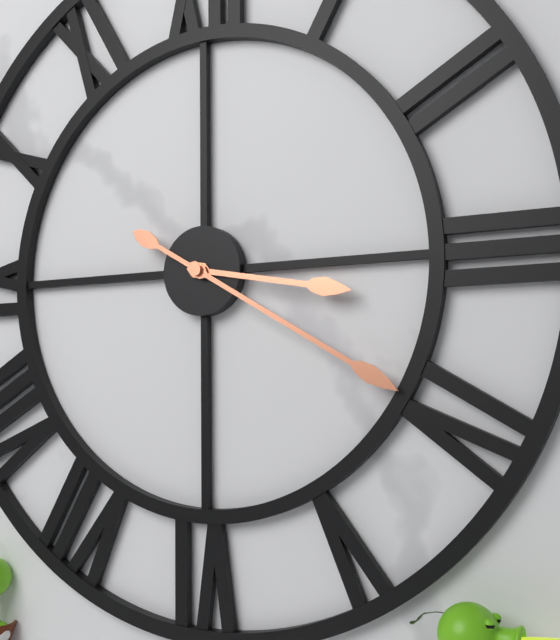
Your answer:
3:20
